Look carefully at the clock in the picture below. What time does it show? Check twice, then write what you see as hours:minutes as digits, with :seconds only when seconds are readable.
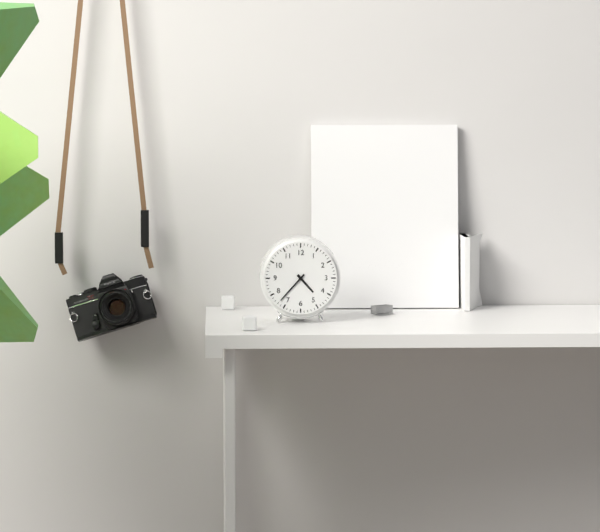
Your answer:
4:37
